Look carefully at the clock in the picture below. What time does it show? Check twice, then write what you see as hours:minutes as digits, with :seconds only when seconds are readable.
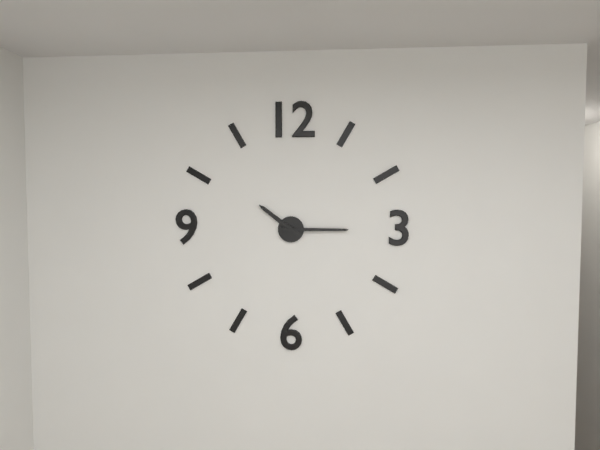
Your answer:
10:15
